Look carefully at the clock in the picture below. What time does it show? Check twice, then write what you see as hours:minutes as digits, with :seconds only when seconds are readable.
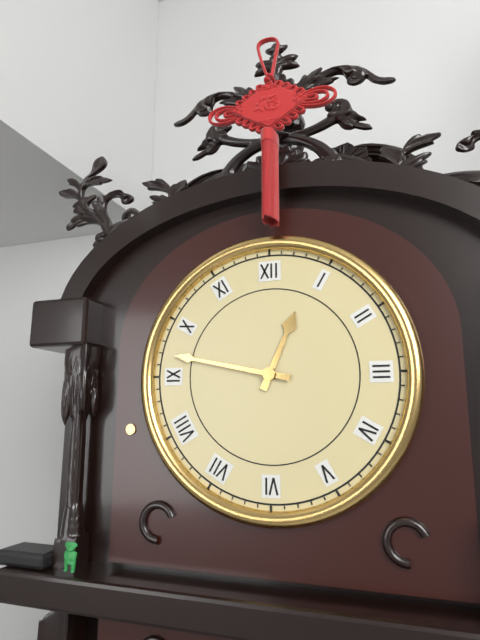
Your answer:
12:47
